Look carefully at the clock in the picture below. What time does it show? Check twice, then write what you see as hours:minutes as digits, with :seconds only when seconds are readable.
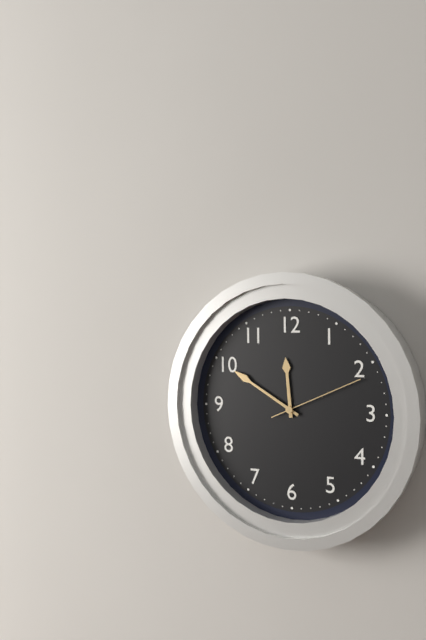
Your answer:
11:50:11
